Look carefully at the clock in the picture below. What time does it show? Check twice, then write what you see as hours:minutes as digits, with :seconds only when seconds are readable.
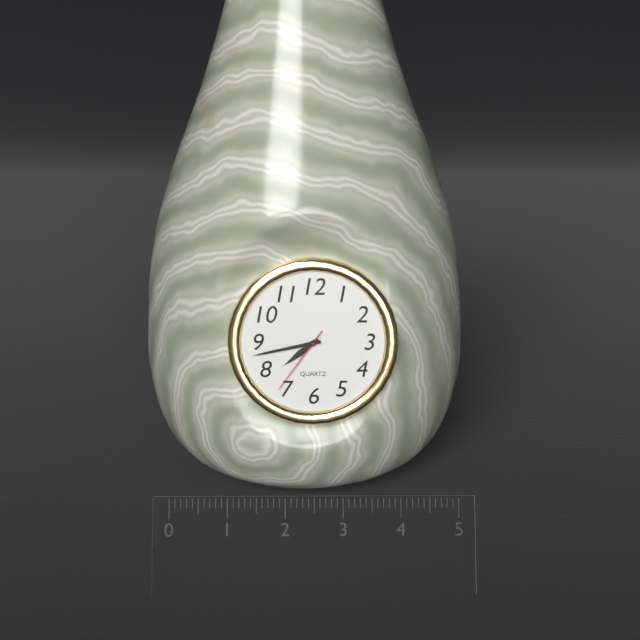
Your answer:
7:43:36
